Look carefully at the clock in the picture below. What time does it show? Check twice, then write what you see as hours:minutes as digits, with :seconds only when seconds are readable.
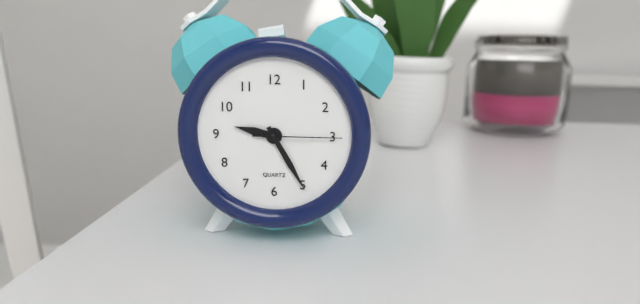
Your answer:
9:25:15
